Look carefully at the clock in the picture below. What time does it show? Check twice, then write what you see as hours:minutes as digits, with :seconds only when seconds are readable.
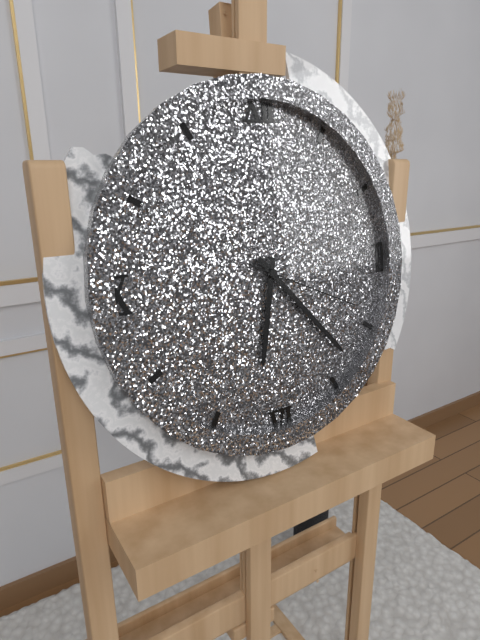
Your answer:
6:23:19
